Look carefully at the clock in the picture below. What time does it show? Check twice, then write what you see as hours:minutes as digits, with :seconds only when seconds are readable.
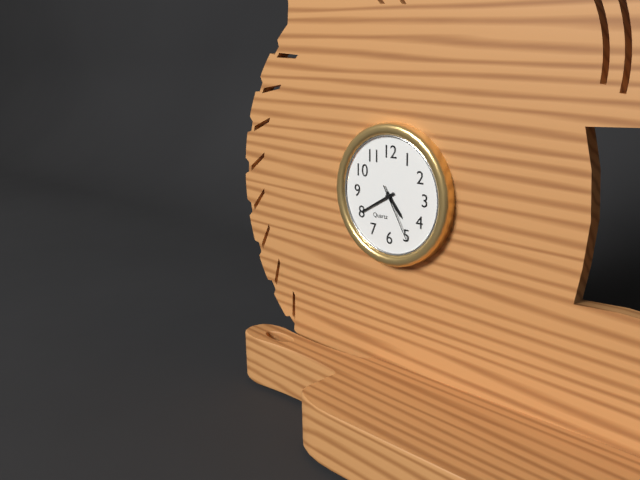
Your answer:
4:40:25
